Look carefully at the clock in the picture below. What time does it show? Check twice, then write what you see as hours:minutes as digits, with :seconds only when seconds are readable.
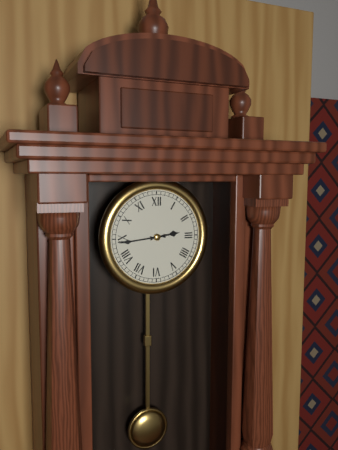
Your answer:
2:44
